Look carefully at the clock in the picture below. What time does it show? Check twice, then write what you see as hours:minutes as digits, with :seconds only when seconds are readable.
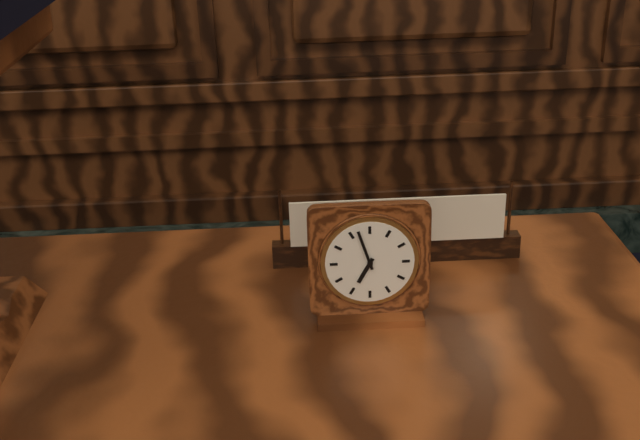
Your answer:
6:57
